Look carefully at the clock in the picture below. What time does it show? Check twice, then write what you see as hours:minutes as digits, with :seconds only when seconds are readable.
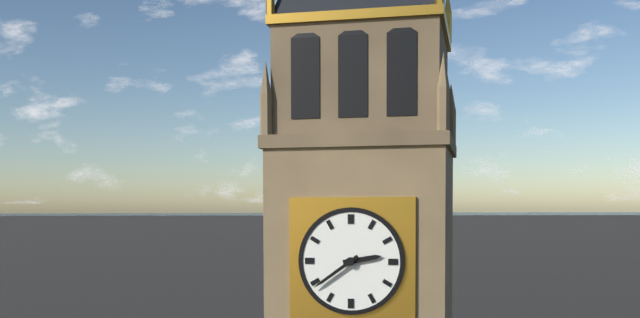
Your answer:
2:39
